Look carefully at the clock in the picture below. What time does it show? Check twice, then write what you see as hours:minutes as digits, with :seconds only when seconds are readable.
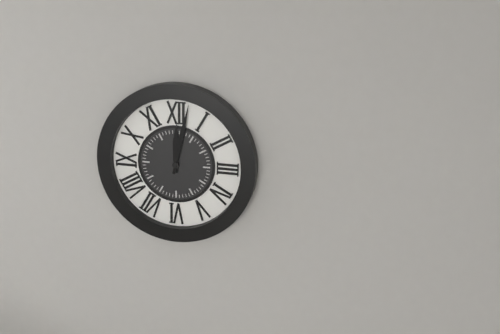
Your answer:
12:02
